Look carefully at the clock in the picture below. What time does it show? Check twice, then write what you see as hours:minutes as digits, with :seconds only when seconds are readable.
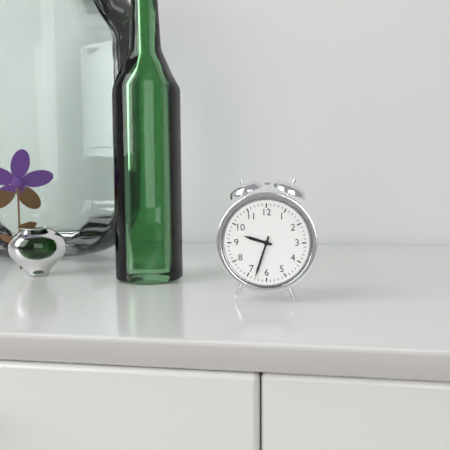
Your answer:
9:33
